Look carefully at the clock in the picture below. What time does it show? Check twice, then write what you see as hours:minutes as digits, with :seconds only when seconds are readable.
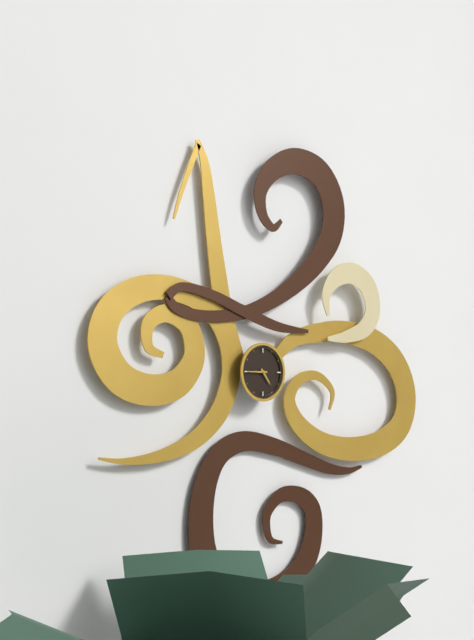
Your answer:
4:45
